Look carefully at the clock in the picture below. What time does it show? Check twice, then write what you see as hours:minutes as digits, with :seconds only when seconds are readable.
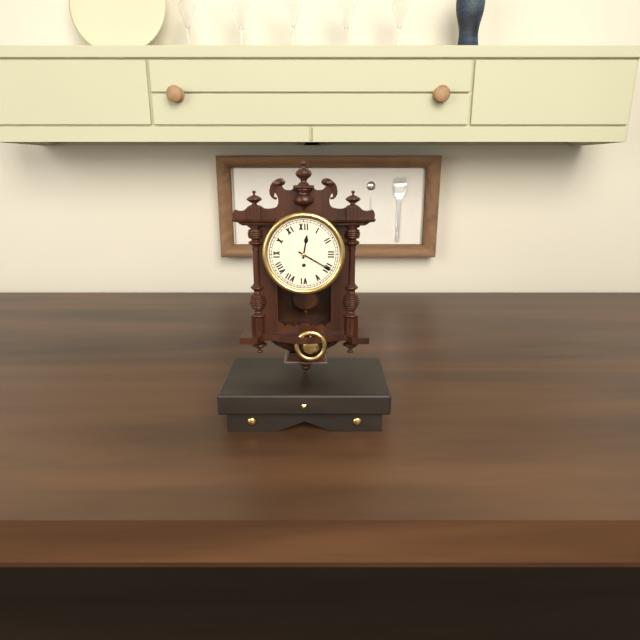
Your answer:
12:20
